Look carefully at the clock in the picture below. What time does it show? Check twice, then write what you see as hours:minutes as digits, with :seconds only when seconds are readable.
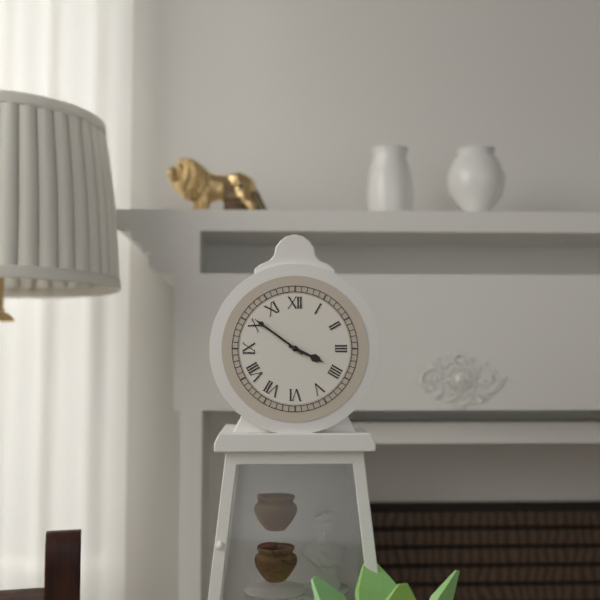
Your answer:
3:51
